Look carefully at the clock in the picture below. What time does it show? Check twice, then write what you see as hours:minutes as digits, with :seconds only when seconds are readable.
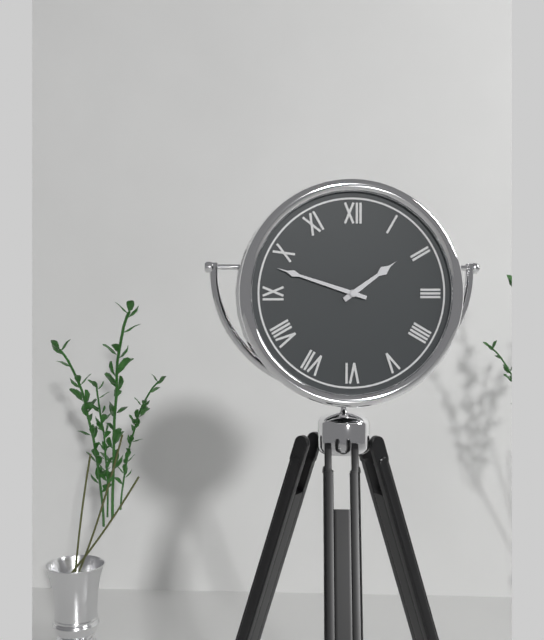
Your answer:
1:48
